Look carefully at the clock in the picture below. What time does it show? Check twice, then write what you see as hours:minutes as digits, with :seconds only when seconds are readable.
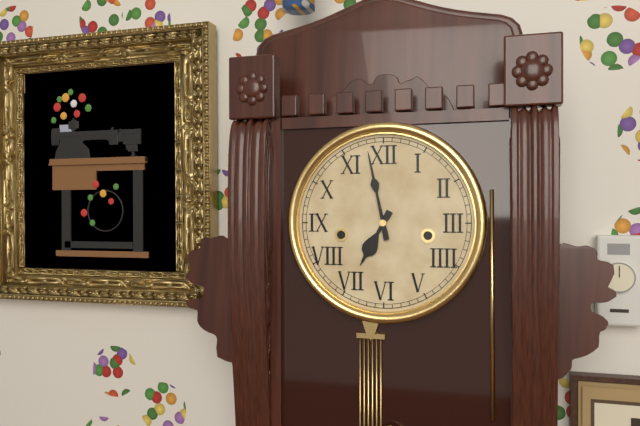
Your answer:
6:58
